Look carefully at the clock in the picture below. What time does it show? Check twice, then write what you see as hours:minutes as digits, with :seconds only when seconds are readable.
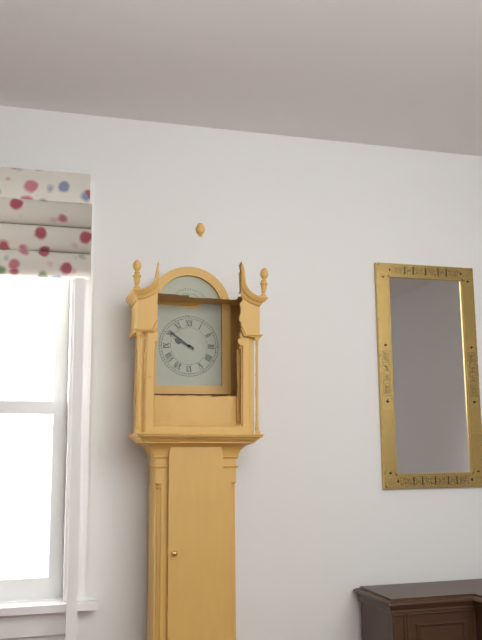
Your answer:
9:51
